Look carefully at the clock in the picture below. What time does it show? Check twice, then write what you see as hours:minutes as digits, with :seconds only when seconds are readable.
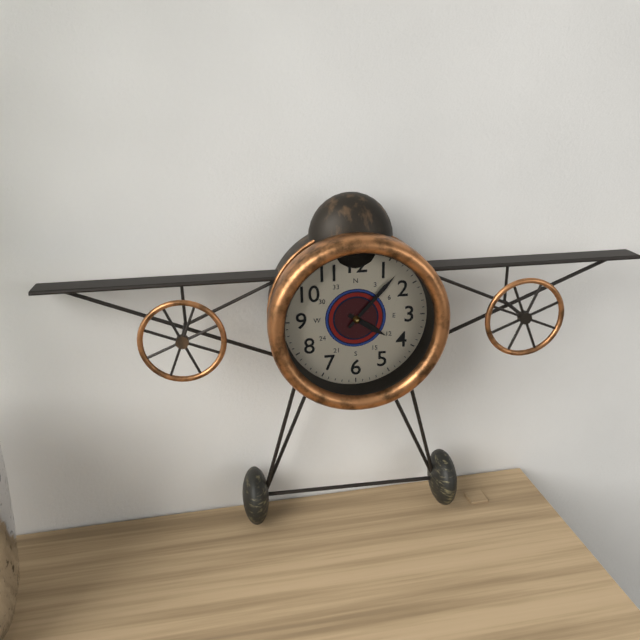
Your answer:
4:07
